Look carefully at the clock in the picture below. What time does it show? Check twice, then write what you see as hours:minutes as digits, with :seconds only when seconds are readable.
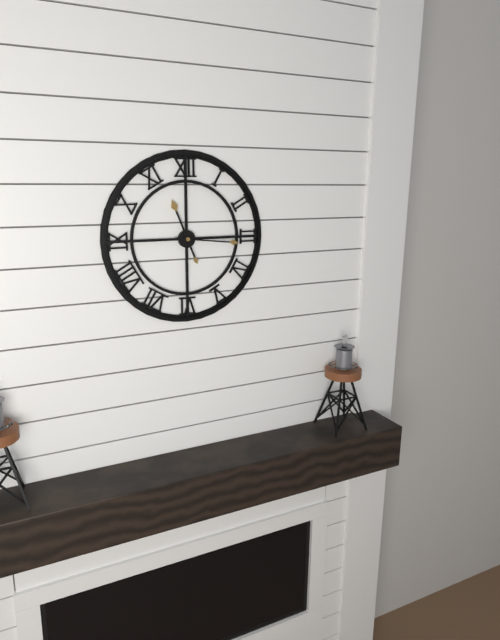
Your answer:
11:16
